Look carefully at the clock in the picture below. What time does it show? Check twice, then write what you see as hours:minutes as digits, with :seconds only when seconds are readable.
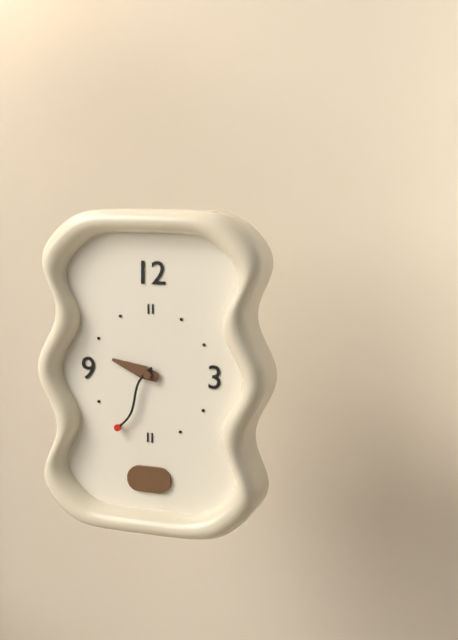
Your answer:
9:35
